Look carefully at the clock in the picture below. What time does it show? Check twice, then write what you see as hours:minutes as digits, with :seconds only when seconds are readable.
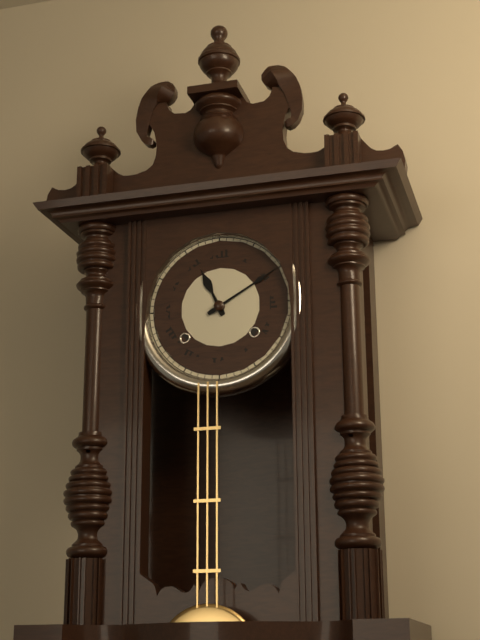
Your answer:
11:10
